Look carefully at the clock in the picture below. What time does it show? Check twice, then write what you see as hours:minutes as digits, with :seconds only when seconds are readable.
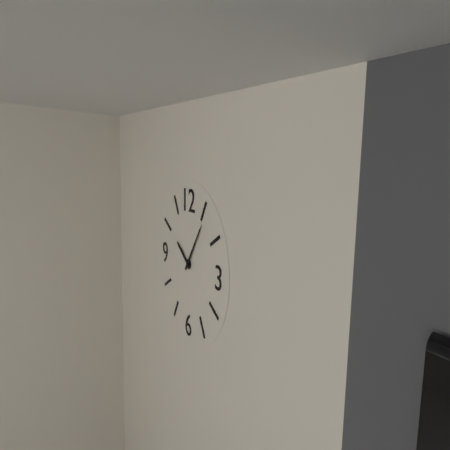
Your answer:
10:06
